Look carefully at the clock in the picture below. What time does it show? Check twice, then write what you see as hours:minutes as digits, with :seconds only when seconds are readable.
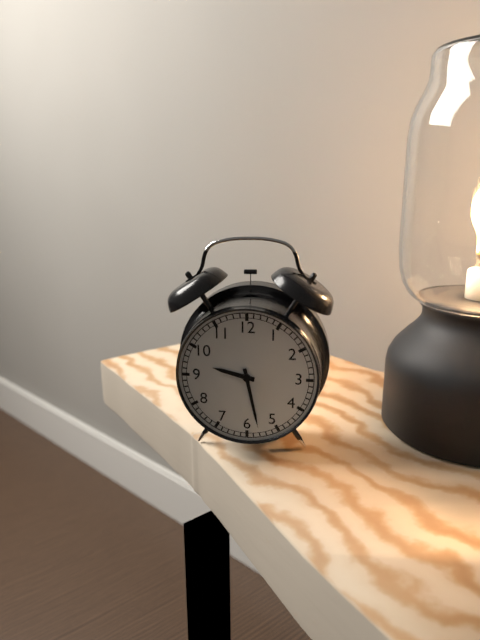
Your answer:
9:28
